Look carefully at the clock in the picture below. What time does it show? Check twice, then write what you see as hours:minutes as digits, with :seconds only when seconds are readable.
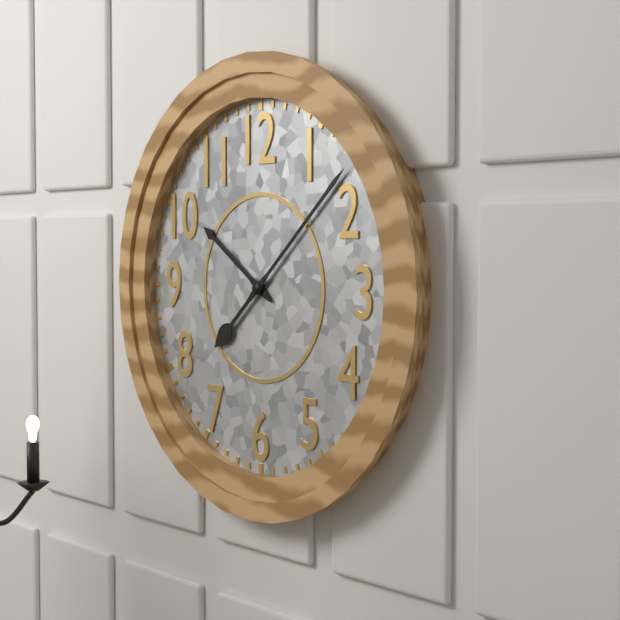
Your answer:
10:08
